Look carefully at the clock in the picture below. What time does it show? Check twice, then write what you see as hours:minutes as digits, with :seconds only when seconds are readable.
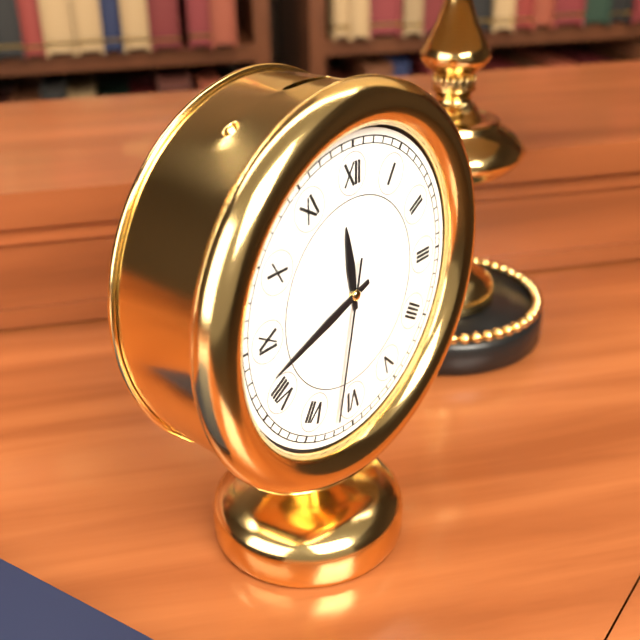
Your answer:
11:42:32
